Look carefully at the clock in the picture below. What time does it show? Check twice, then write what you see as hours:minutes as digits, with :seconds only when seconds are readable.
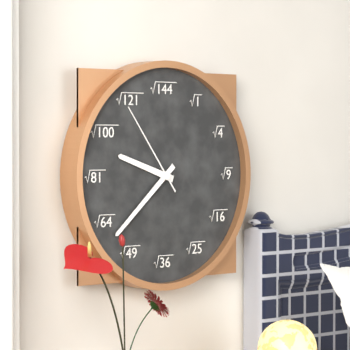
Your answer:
9:38:54
